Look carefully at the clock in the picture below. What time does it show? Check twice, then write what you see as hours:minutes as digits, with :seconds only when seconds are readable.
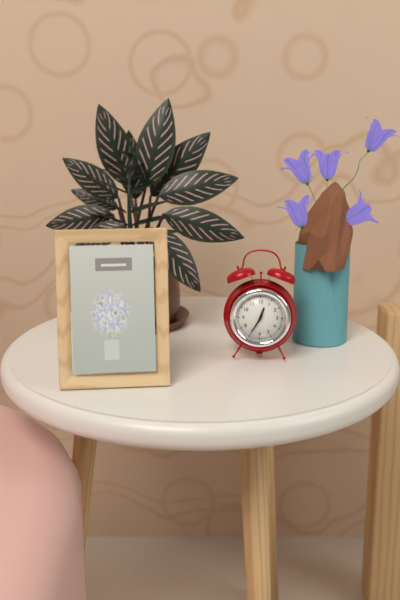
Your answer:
12:35
